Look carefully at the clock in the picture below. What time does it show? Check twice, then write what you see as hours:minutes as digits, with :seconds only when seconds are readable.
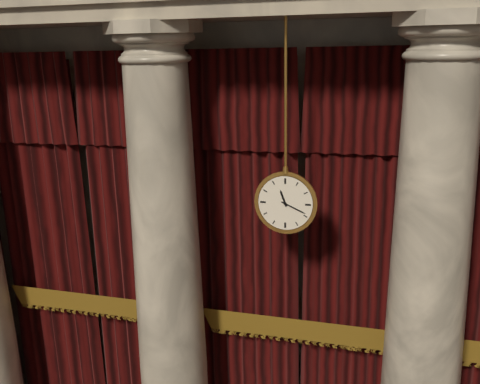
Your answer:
11:19
